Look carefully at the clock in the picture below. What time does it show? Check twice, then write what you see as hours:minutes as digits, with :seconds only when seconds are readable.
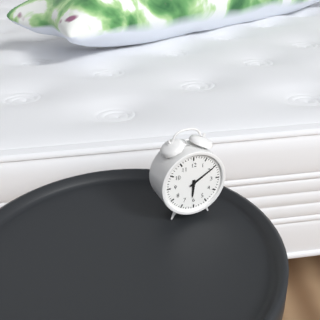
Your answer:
6:10
